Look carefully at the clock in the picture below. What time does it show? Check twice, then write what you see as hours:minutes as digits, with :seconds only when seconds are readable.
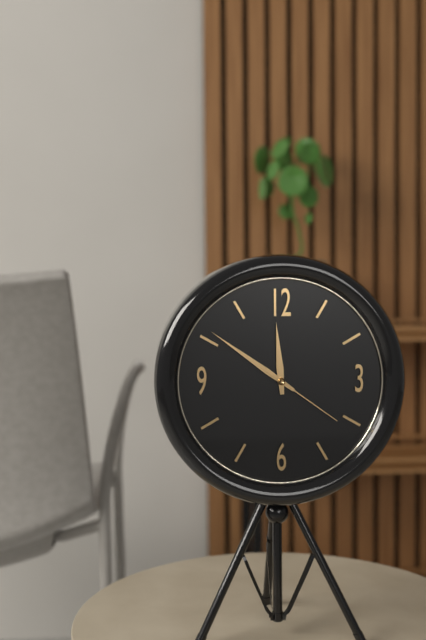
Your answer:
11:51:21
